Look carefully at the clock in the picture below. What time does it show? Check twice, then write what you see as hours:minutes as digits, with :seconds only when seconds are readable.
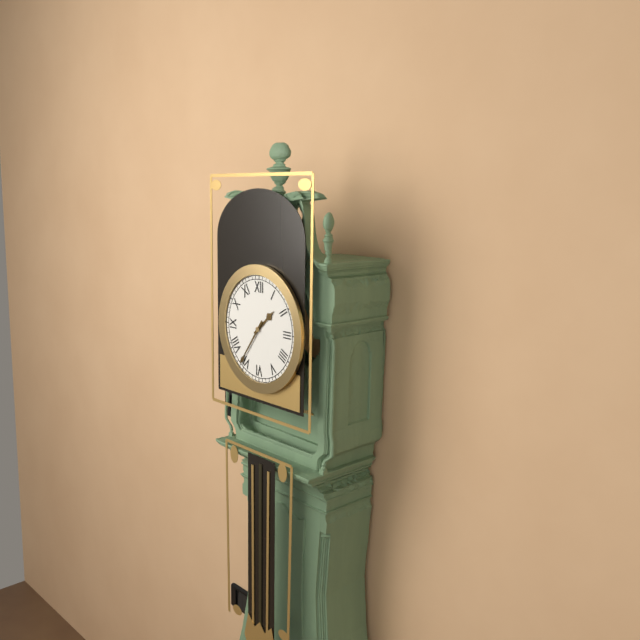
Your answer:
1:36
